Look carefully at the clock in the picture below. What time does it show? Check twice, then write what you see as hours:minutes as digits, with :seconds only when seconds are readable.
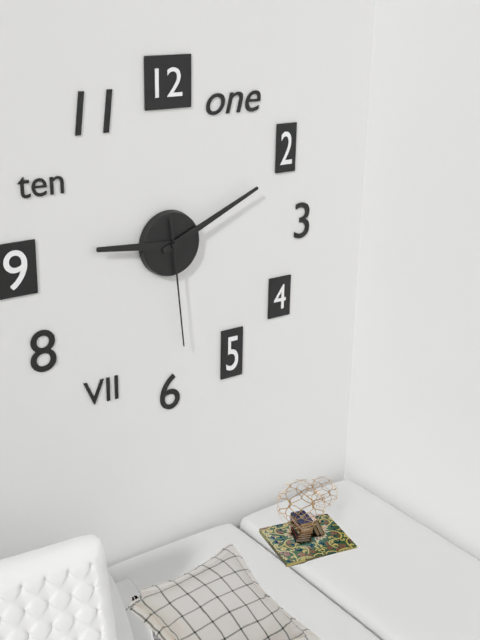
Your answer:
9:11:29
